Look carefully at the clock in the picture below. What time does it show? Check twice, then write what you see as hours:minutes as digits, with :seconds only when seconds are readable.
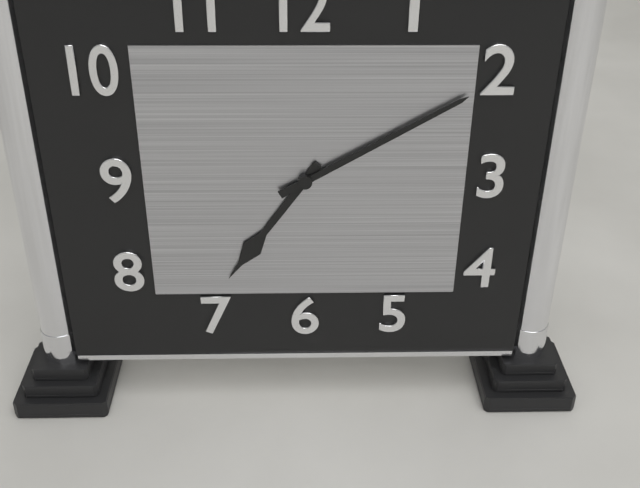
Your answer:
7:10
